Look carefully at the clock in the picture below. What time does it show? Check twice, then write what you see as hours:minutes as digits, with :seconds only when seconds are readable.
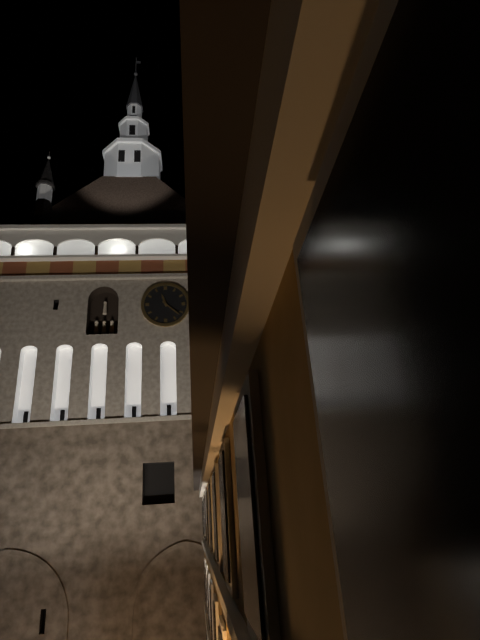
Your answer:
11:22
